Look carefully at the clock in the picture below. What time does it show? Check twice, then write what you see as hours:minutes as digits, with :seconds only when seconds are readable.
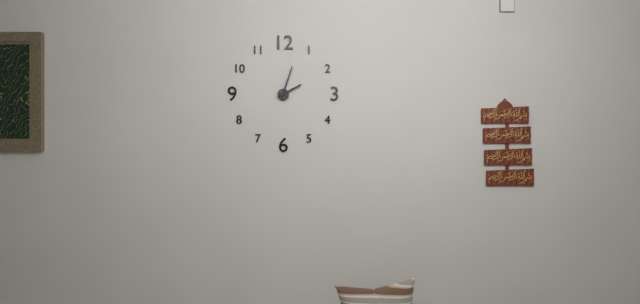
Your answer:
2:03
